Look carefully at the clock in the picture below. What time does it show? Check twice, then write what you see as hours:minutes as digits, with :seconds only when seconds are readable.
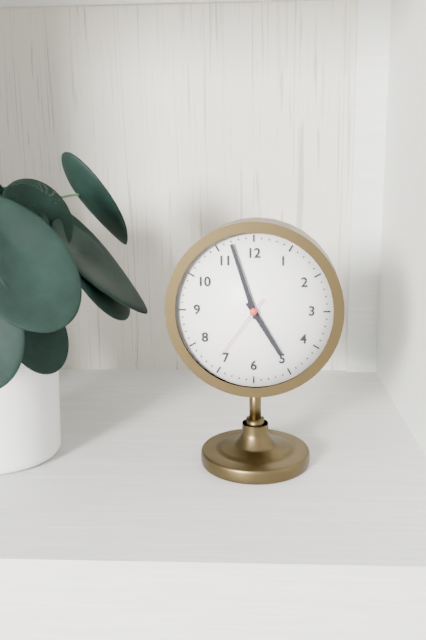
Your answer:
4:57:36
